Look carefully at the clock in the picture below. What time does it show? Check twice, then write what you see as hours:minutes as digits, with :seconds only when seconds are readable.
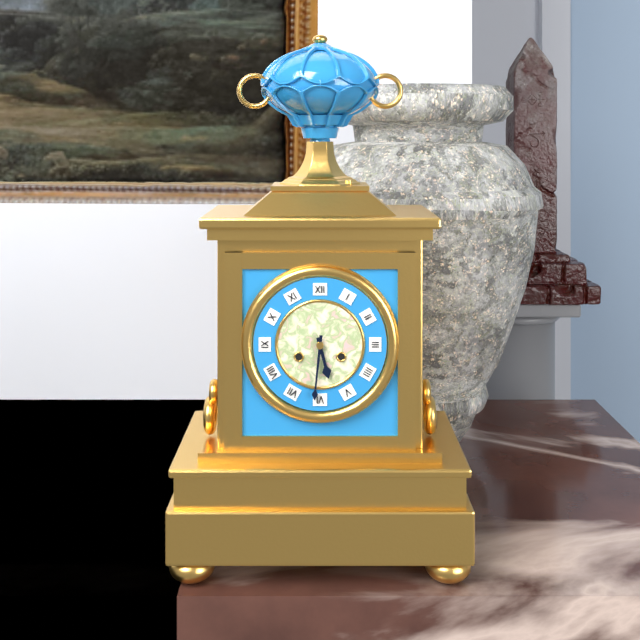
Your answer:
5:31
